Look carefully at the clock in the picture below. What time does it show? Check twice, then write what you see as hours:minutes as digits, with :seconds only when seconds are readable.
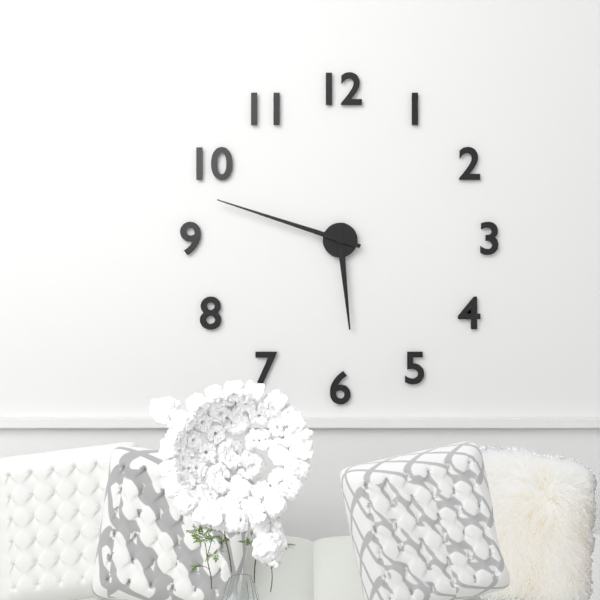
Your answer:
5:48
